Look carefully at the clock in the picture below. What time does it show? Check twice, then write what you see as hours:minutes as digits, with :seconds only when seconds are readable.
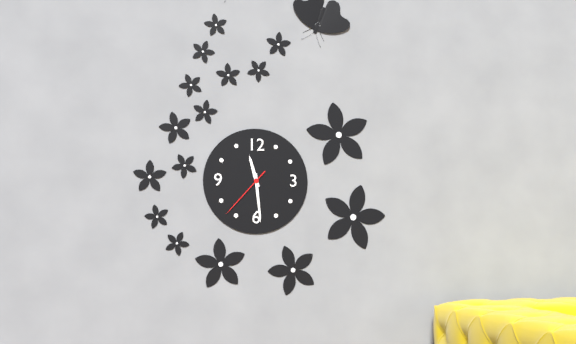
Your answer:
11:29:37
